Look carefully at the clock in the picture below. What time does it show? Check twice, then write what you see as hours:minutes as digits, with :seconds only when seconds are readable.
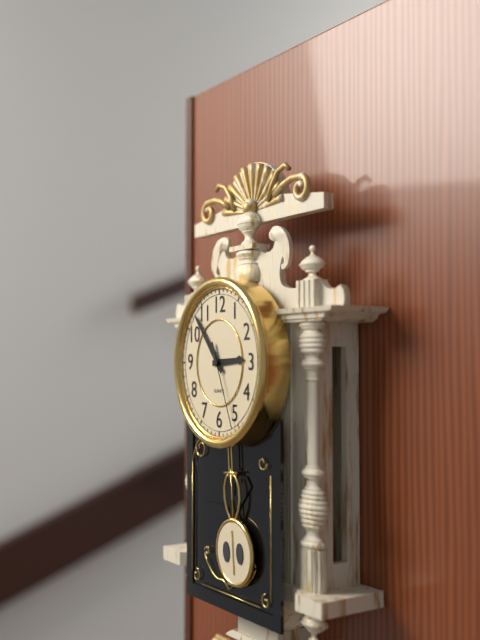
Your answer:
2:53:26
